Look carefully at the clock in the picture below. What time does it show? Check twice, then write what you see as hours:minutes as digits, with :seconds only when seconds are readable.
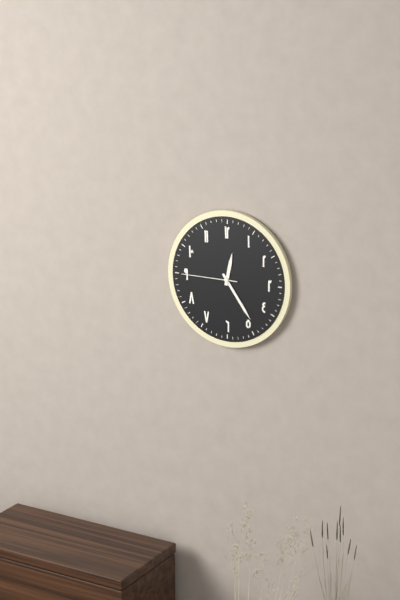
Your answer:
12:24:45
